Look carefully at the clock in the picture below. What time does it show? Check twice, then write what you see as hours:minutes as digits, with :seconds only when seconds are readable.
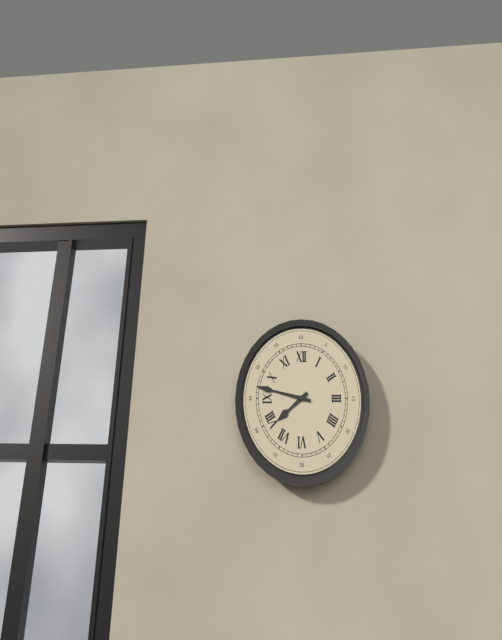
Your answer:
7:47
